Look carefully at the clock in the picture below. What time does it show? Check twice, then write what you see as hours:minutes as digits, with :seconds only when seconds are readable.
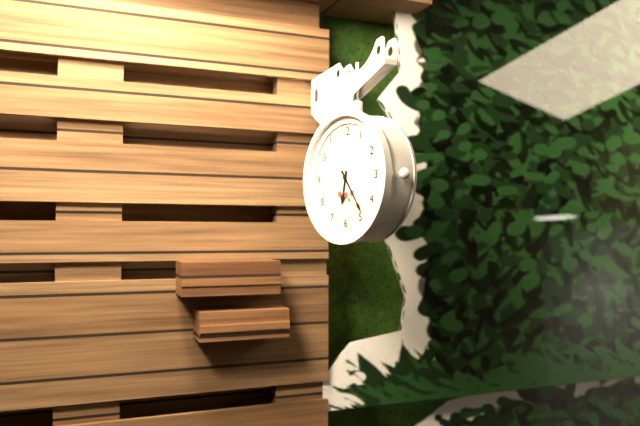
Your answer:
6:24
